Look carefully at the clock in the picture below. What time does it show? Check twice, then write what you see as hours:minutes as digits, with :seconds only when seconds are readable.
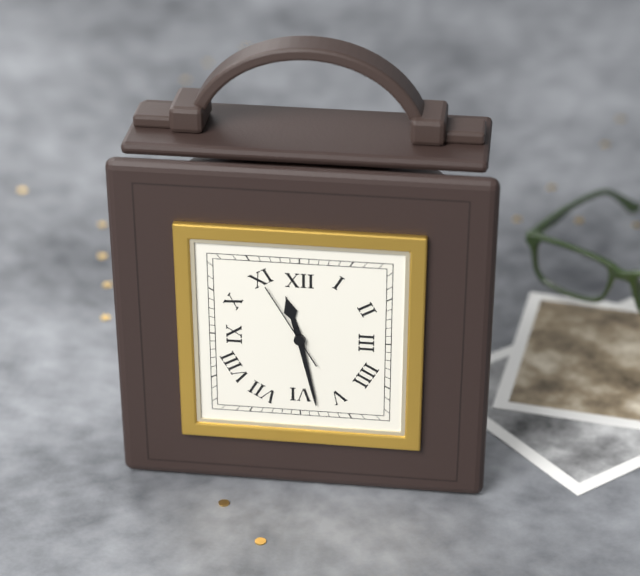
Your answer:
11:28:55
